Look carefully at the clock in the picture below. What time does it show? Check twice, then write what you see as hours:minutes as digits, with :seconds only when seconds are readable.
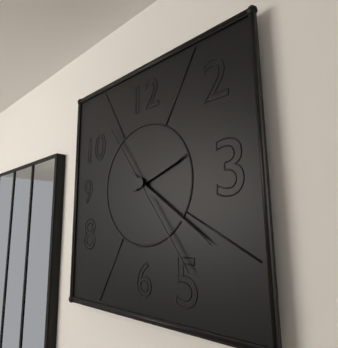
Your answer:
2:21:24
